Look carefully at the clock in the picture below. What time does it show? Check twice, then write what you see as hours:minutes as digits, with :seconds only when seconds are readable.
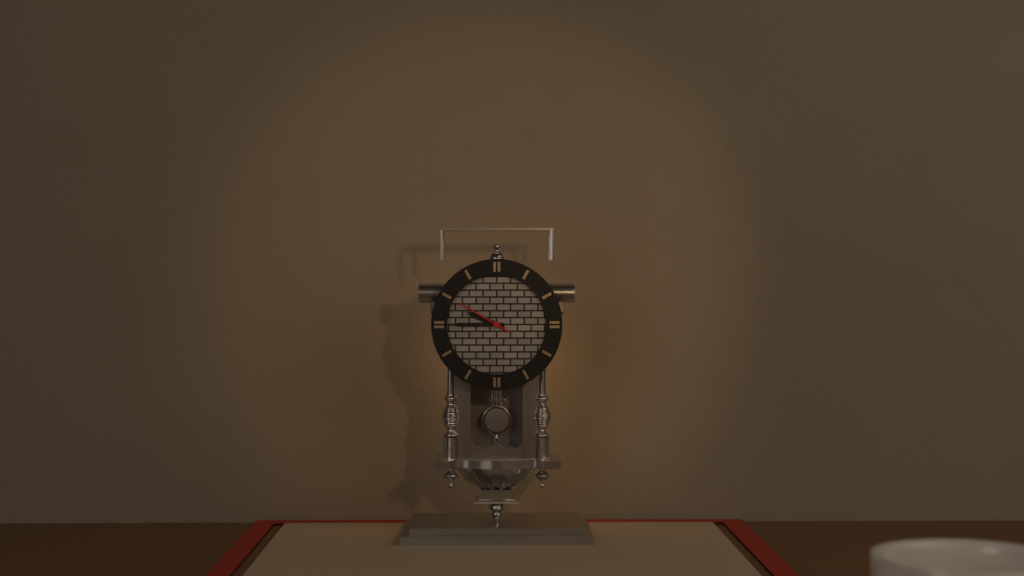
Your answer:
9:45:50
